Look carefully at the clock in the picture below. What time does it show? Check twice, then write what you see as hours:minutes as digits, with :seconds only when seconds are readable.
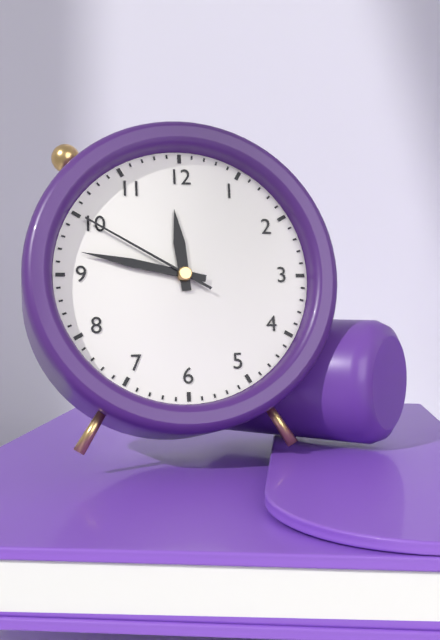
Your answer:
11:47:50
